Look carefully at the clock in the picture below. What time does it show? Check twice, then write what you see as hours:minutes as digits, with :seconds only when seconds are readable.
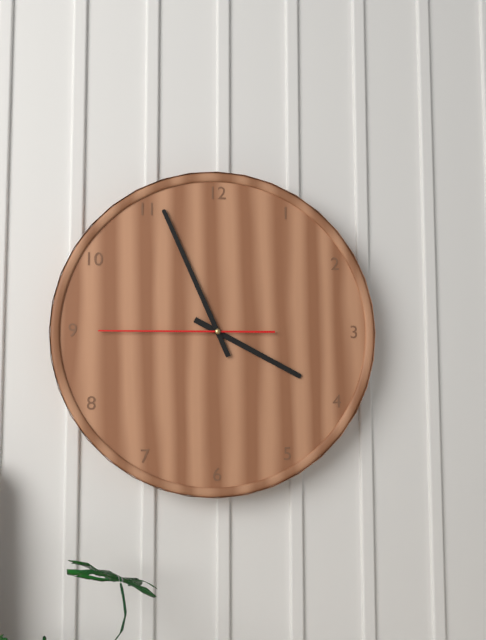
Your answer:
3:56:45
